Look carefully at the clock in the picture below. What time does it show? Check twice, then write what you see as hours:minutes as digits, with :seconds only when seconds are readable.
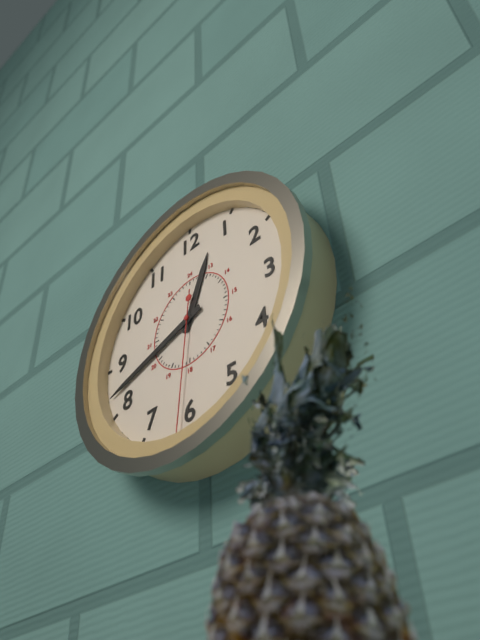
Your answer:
12:42:31
